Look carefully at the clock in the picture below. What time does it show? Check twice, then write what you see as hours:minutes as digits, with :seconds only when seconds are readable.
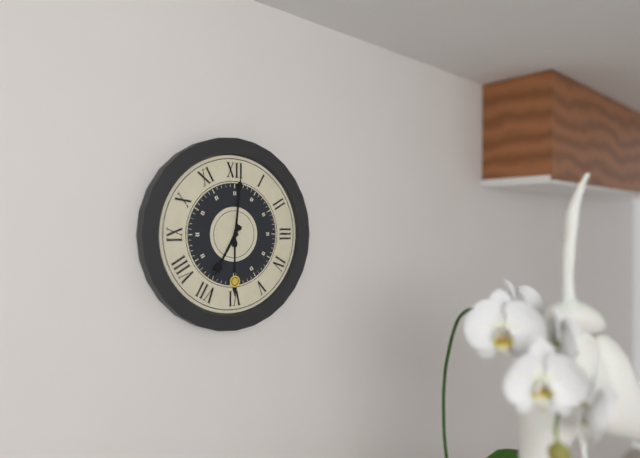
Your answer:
7:01
